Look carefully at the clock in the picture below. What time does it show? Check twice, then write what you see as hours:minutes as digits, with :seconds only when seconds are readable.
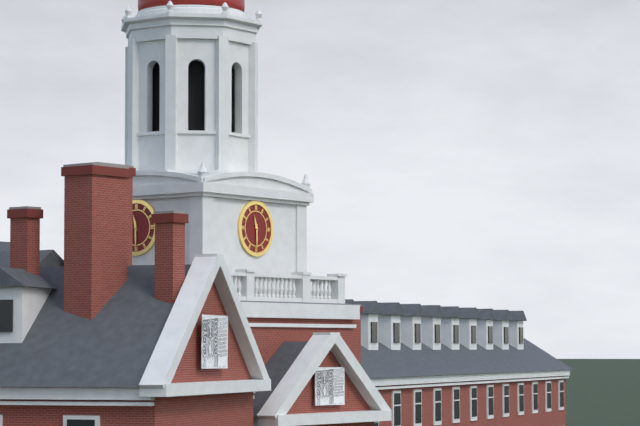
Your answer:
11:30
